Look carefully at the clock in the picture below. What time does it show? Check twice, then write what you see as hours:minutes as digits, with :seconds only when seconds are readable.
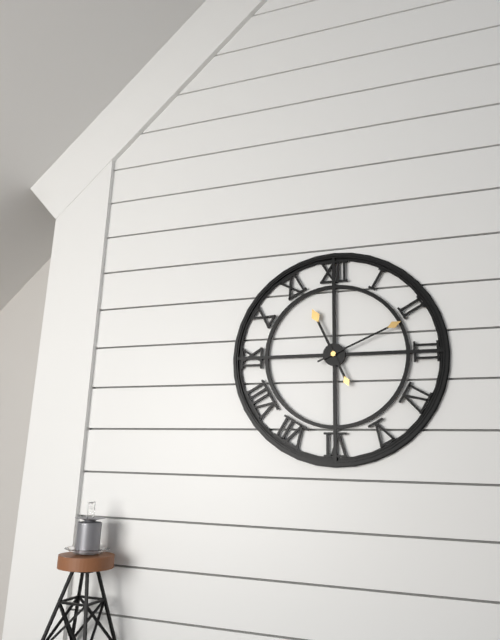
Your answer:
11:11
